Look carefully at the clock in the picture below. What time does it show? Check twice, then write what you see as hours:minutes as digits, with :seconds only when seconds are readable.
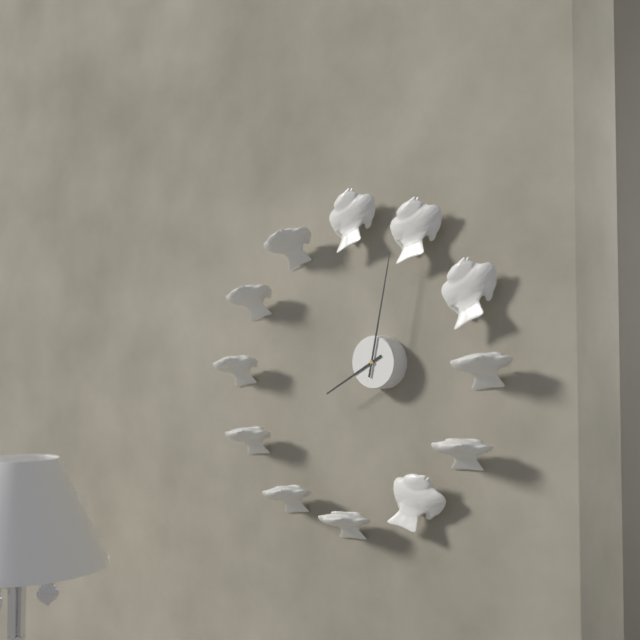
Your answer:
8:02
